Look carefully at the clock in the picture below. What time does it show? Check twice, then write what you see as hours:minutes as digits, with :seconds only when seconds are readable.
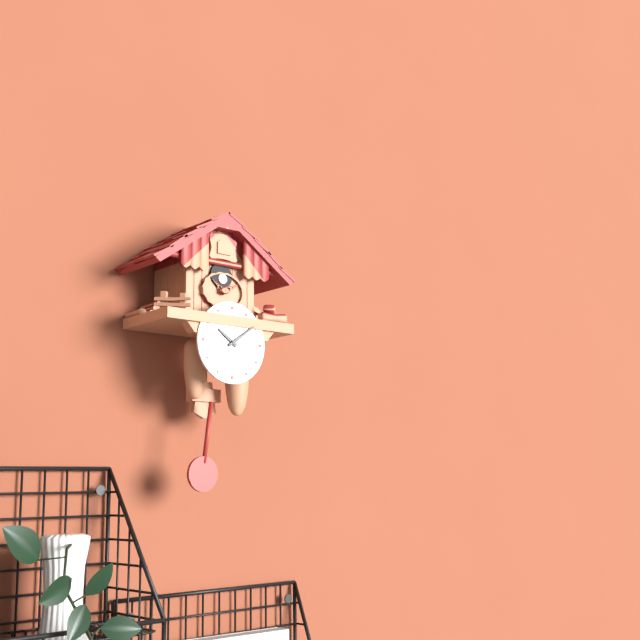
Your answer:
10:09
